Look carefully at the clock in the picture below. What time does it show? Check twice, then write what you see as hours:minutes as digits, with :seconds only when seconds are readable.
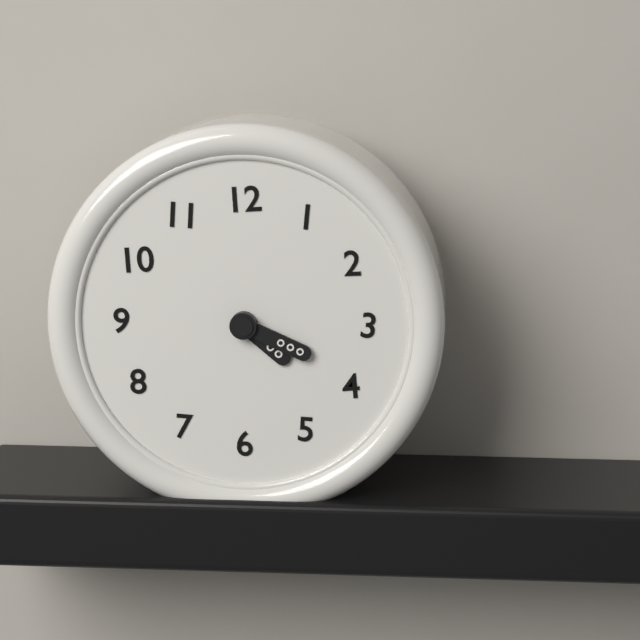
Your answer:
4:19
